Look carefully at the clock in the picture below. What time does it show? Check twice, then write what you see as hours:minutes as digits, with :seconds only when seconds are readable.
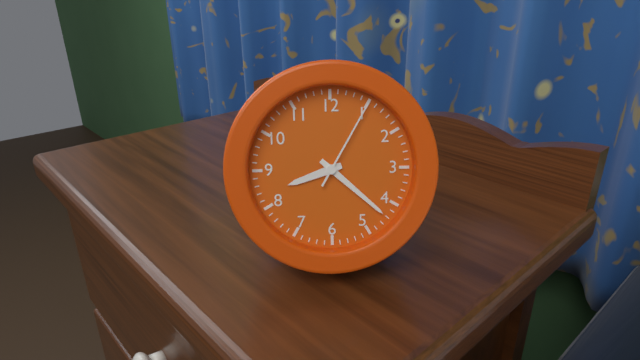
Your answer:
8:22:05
